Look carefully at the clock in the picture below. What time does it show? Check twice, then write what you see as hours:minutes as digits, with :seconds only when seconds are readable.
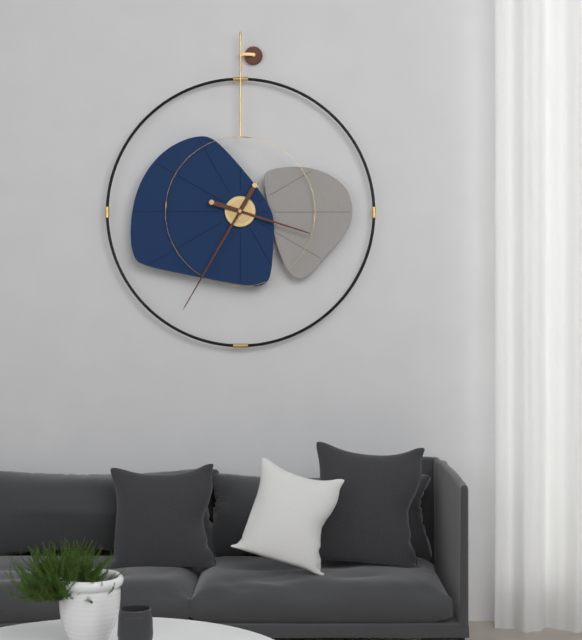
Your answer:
3:35
